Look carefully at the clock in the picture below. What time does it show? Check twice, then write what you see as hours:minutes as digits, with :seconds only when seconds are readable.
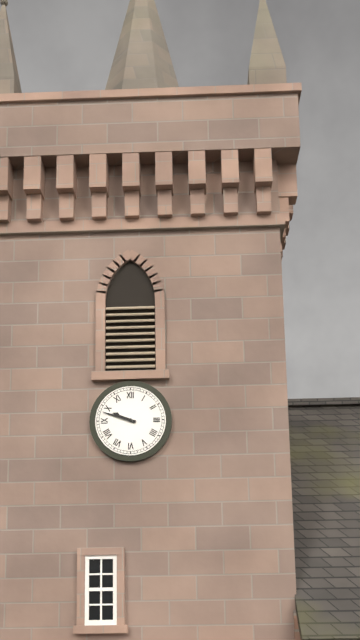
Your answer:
9:48
